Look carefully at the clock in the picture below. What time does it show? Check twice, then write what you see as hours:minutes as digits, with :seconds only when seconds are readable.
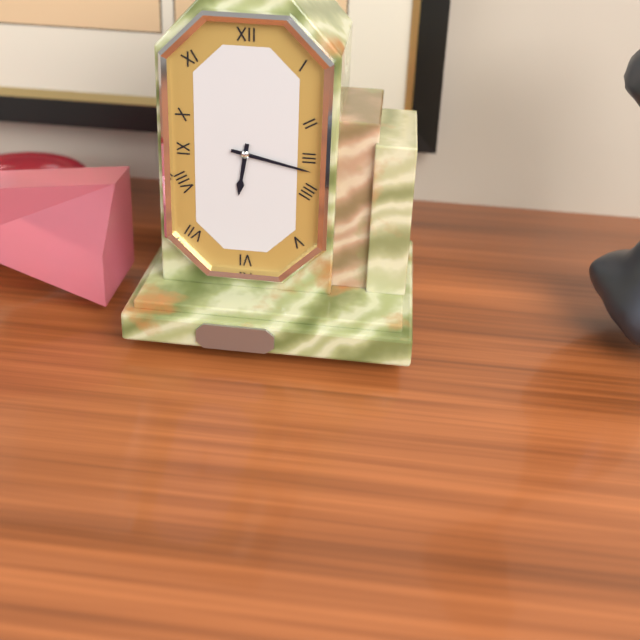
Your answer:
6:17
